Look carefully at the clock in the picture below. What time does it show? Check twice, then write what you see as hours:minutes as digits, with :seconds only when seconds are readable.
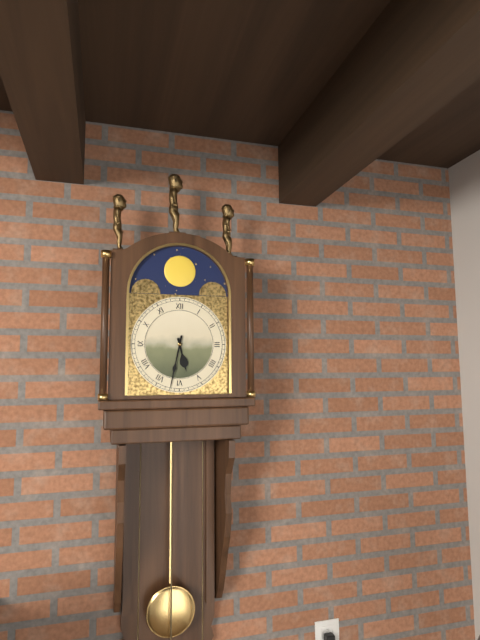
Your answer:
5:32
